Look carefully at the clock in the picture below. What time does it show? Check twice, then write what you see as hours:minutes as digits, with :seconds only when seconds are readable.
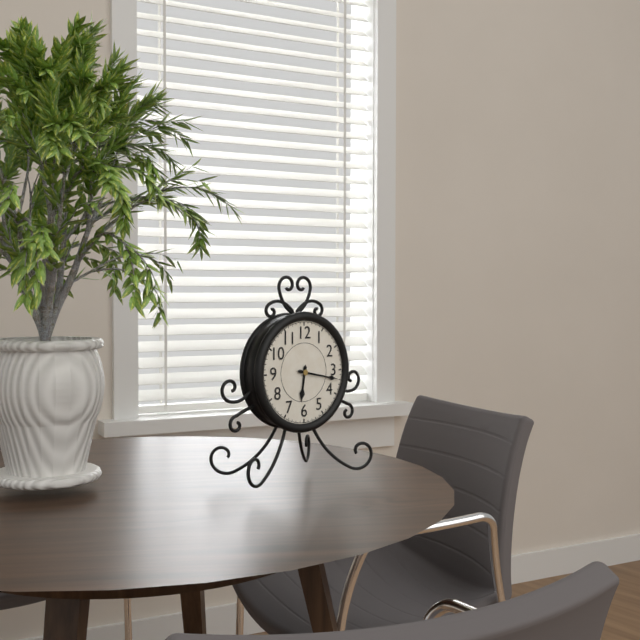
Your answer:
6:17
